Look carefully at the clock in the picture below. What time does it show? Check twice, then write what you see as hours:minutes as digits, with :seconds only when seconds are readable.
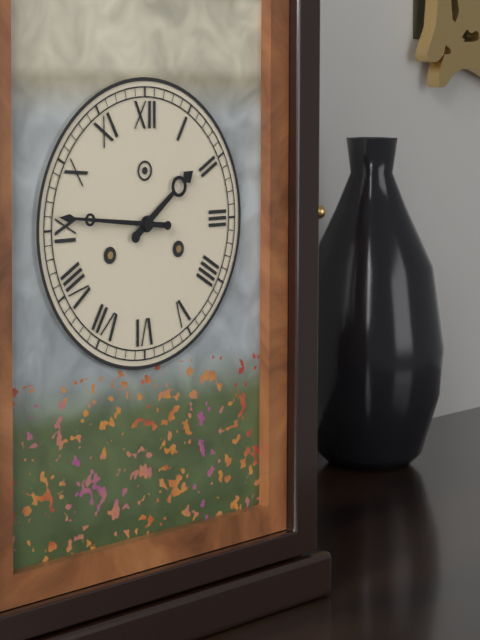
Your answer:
1:46
